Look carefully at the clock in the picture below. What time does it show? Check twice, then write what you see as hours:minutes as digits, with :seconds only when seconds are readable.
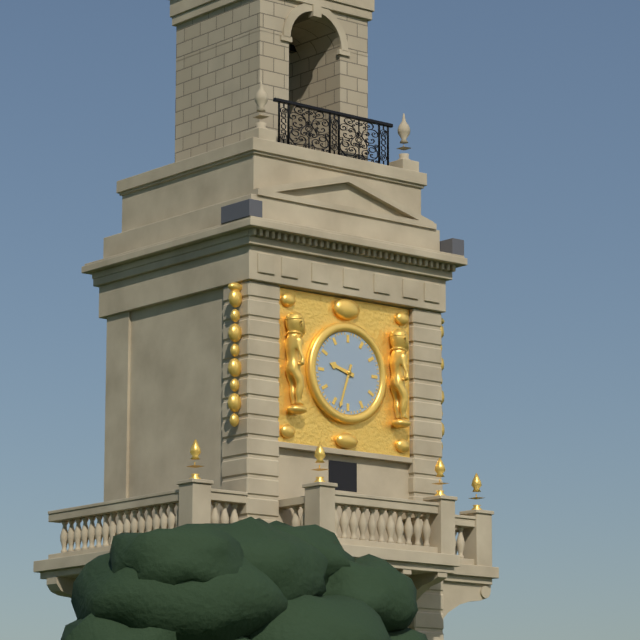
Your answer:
9:33
